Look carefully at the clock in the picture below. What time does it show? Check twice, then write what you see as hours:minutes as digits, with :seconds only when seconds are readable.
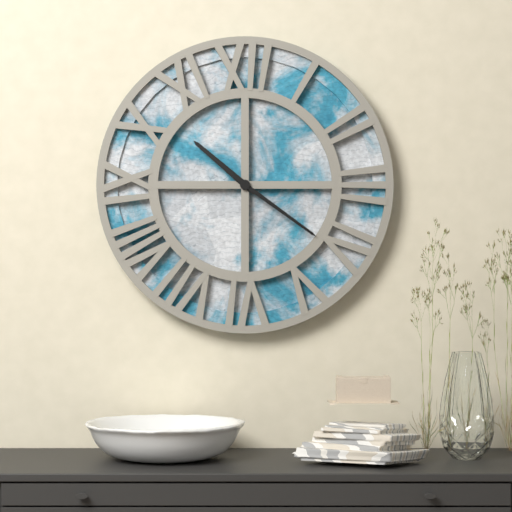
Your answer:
10:21
